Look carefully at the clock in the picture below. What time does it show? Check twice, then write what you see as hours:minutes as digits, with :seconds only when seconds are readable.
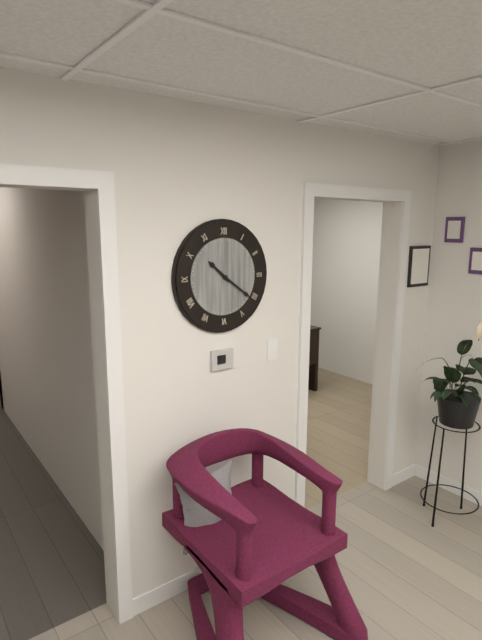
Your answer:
10:21
